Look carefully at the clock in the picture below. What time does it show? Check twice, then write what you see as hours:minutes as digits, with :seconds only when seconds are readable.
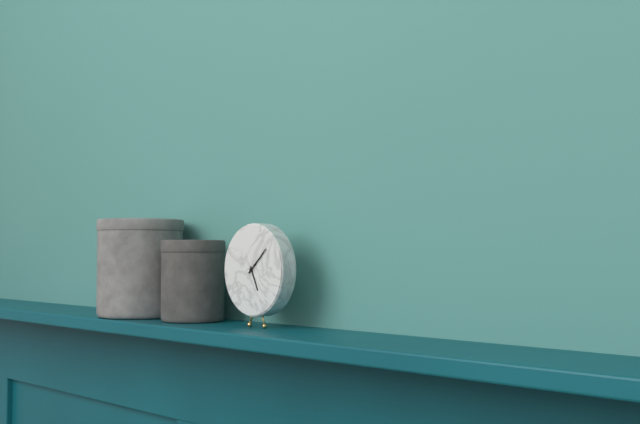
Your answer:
5:08
